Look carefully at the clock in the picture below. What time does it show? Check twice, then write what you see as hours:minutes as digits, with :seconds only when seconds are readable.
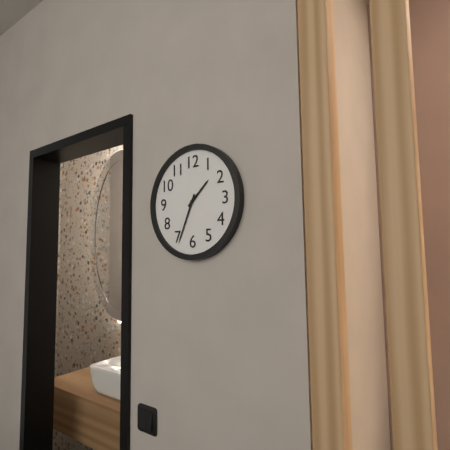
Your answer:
1:34
